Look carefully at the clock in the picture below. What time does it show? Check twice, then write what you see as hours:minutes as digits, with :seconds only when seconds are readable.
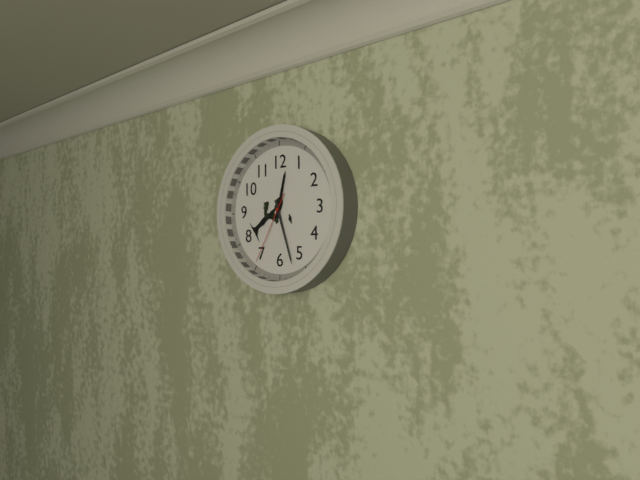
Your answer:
12:27:35
